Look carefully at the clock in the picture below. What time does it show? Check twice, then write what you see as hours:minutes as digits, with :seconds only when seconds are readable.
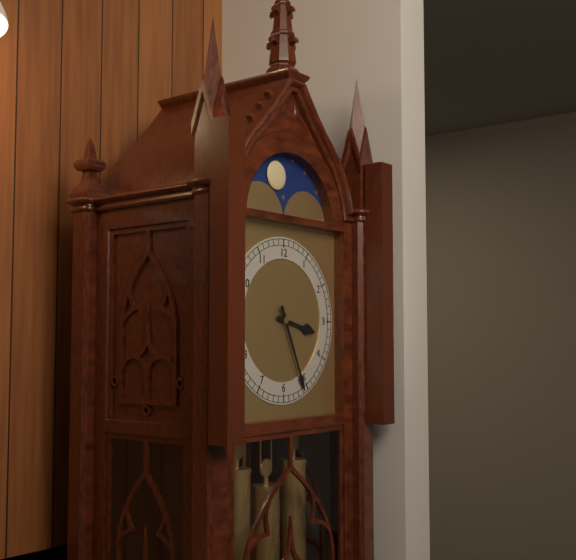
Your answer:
3:26
